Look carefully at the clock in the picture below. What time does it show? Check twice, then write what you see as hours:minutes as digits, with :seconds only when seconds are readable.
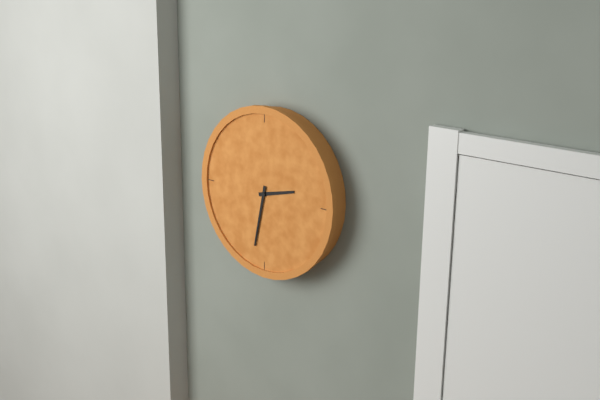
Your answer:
2:32
